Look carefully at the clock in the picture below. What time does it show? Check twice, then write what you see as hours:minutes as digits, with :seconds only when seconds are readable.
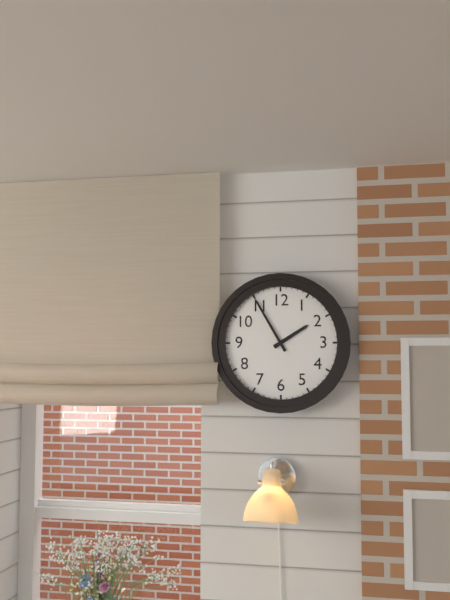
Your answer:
1:55
